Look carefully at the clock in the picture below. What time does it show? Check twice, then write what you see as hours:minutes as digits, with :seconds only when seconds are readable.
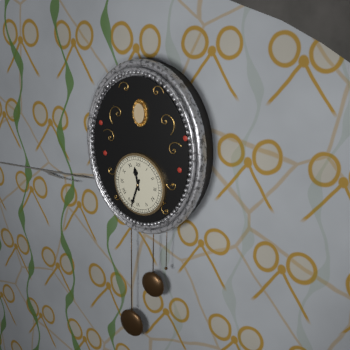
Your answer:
11:33
